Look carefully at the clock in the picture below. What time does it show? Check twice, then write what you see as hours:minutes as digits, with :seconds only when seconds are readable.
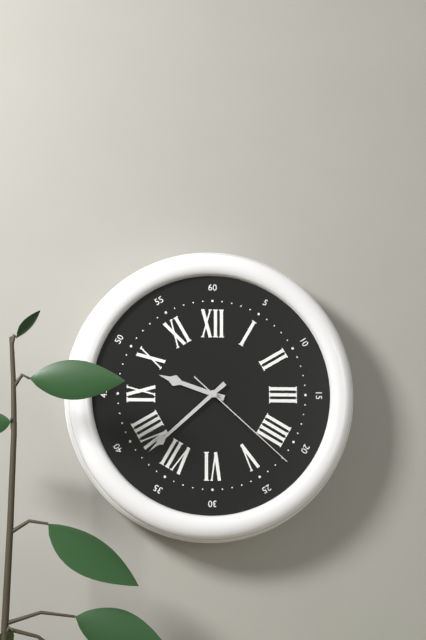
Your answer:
9:38:22
